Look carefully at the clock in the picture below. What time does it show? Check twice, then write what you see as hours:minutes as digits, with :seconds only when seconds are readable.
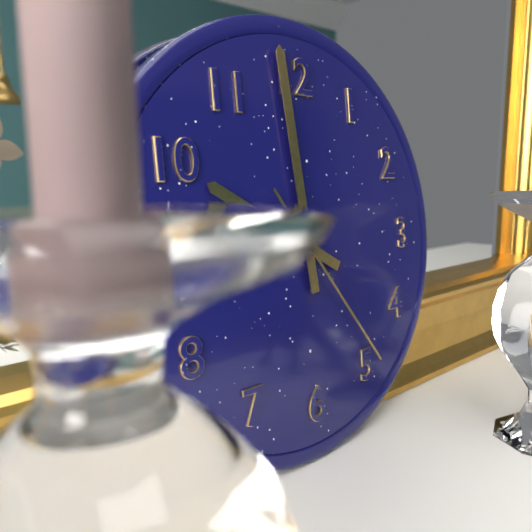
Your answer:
9:59:24
